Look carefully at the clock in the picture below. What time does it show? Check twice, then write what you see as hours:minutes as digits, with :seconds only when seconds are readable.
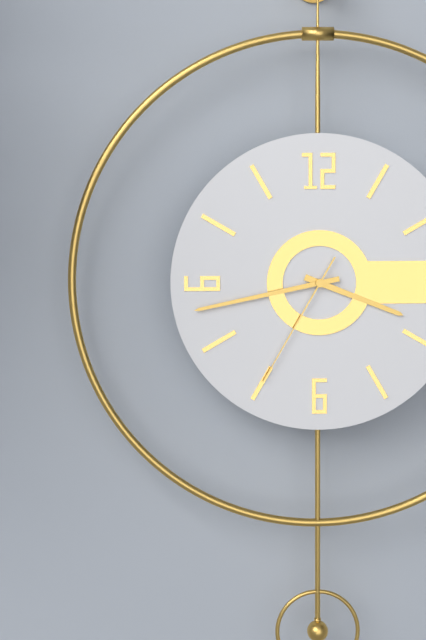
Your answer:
3:43:35
